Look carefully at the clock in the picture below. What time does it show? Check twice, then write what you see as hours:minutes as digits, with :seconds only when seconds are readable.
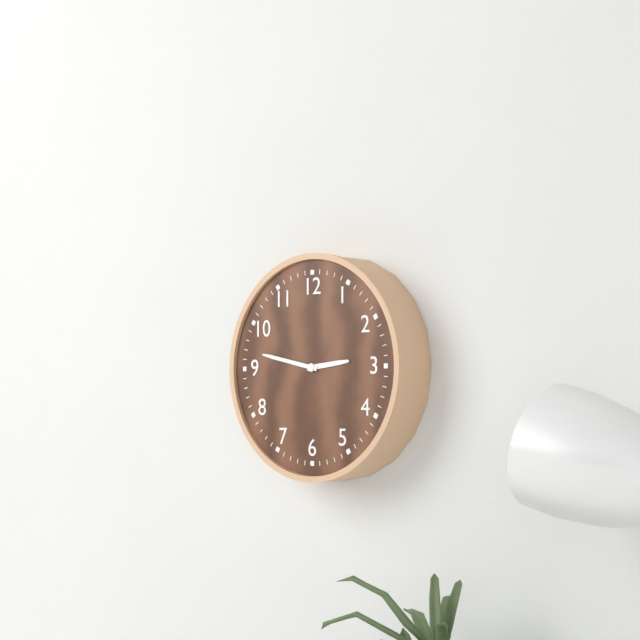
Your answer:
2:47
